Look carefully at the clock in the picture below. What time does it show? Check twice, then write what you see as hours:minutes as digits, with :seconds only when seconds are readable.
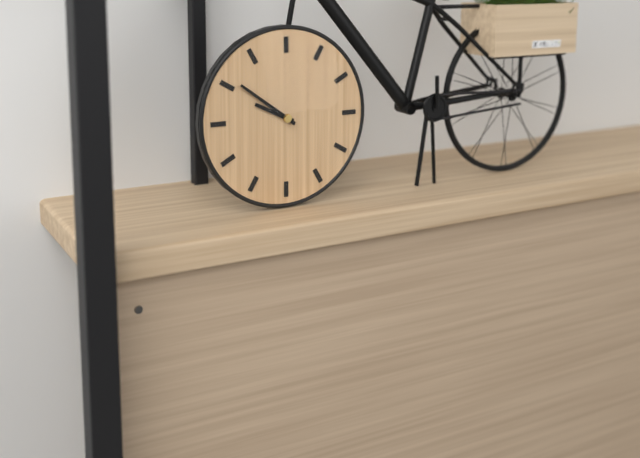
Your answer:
9:51
